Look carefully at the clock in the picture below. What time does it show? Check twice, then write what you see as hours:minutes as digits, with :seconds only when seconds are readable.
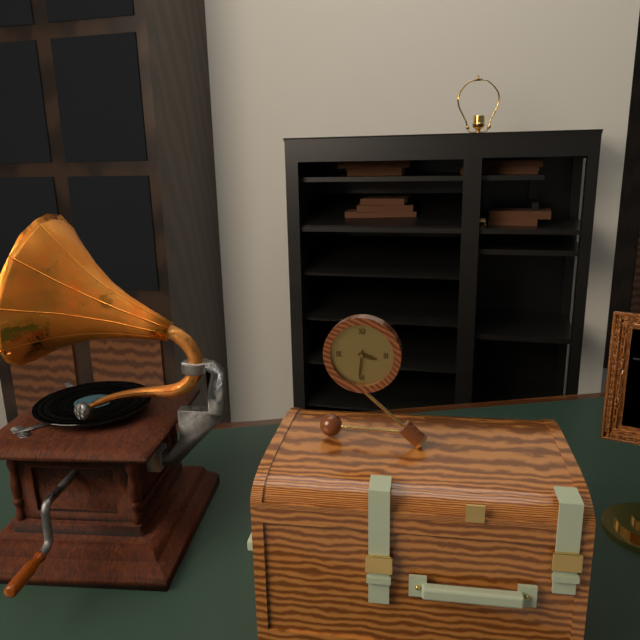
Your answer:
3:31
